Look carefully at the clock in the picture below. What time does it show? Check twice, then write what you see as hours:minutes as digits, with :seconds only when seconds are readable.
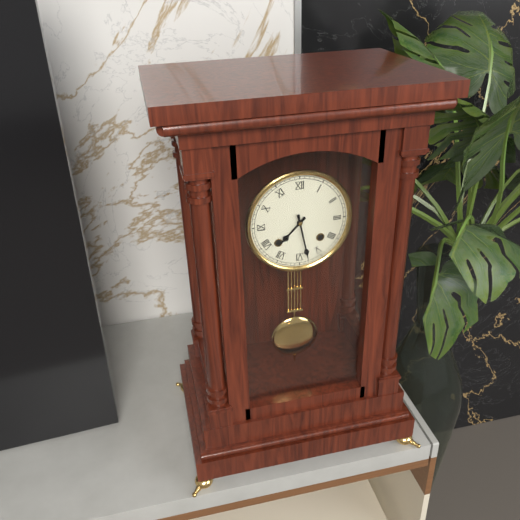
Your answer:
7:28
